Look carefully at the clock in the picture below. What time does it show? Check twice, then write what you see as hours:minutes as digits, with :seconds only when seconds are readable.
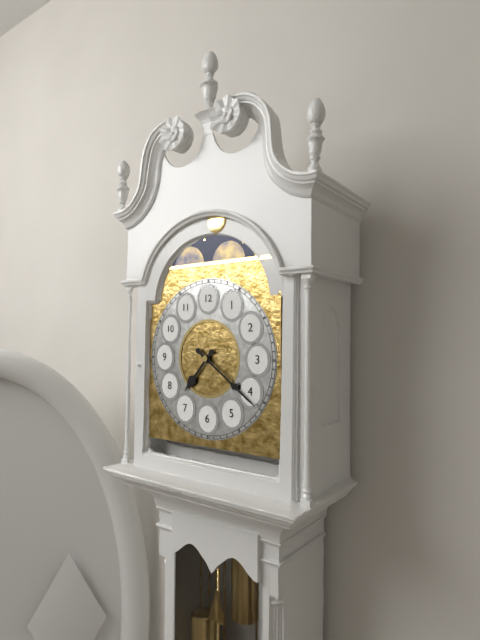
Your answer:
7:21
